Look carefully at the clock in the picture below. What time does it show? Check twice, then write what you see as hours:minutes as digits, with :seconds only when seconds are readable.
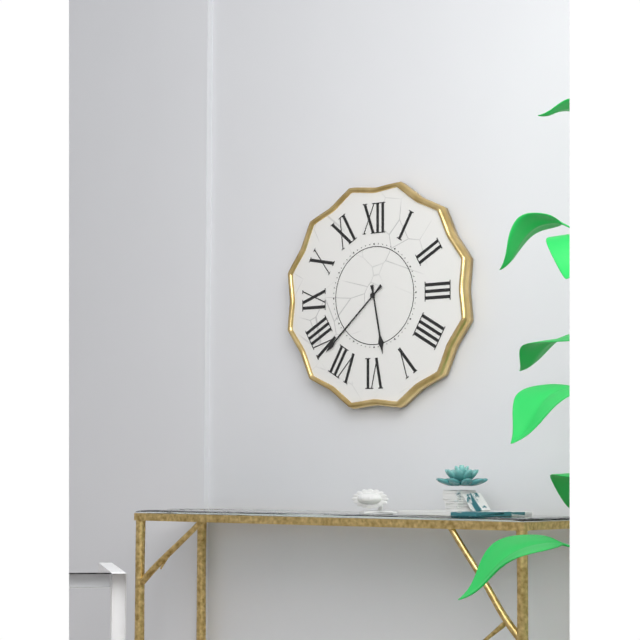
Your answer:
5:38
